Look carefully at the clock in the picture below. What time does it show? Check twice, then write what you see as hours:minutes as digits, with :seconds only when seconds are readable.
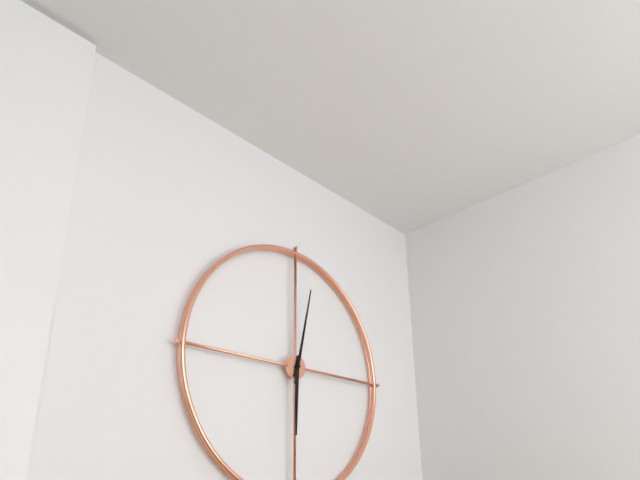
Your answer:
6:02
